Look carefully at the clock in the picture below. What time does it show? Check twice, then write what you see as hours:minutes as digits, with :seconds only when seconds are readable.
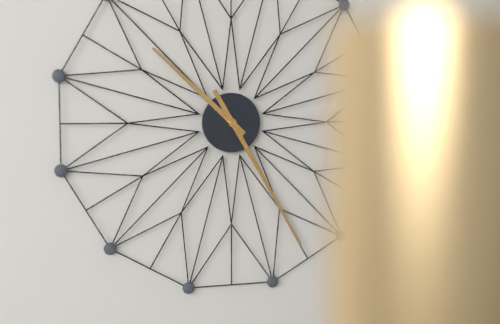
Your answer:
10:25
